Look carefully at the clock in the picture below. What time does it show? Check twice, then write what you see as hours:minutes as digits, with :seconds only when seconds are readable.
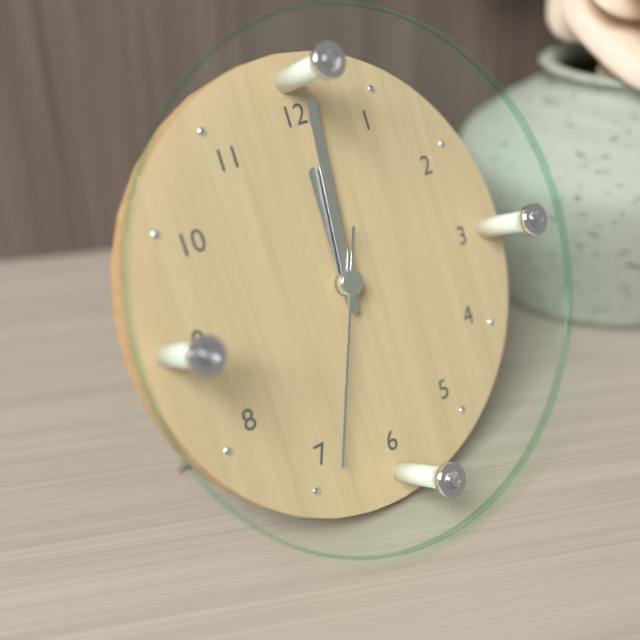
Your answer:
12:01:34
